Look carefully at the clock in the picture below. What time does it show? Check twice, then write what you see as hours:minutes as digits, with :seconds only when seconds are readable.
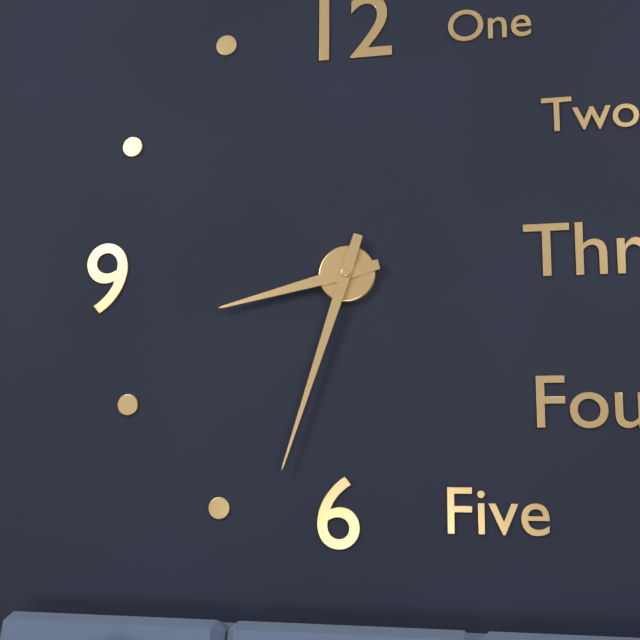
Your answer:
8:33
